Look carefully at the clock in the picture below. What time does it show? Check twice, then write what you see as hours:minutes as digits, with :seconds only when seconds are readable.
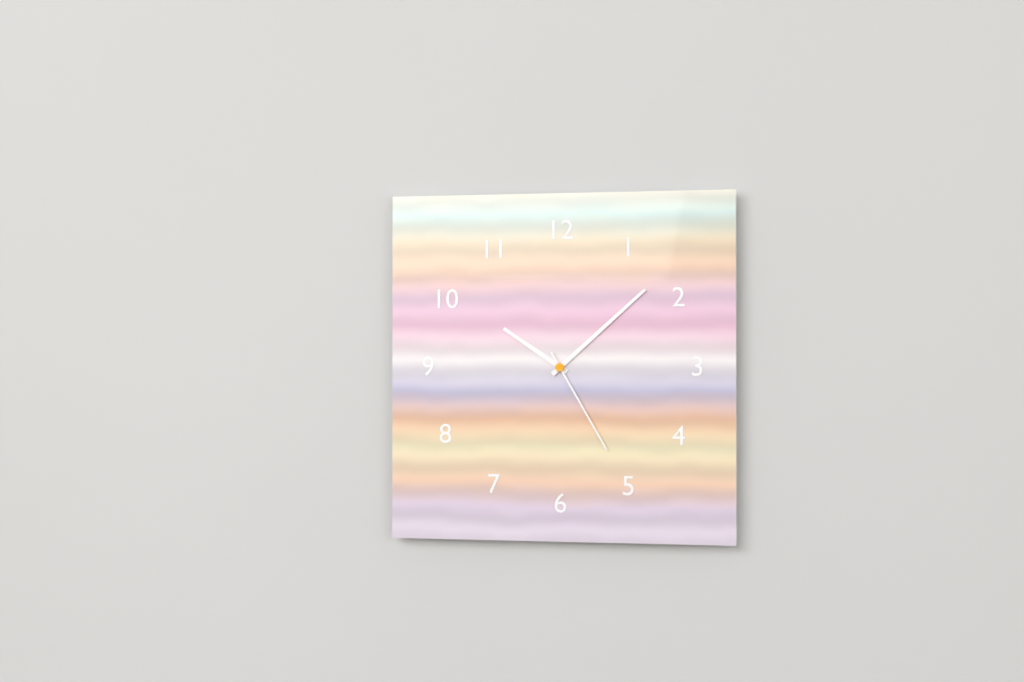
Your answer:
10:08:25
